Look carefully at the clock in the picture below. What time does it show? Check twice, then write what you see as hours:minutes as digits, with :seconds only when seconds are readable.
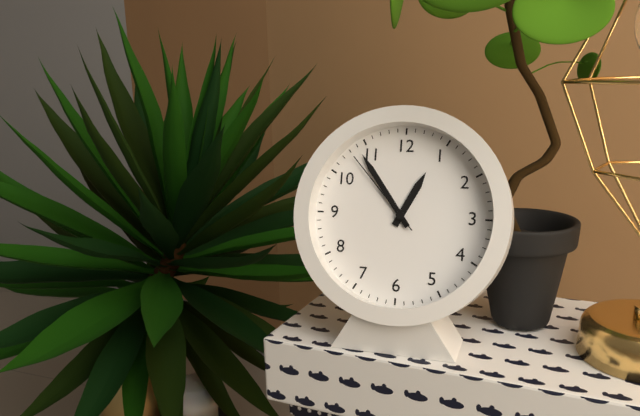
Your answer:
12:54:53
